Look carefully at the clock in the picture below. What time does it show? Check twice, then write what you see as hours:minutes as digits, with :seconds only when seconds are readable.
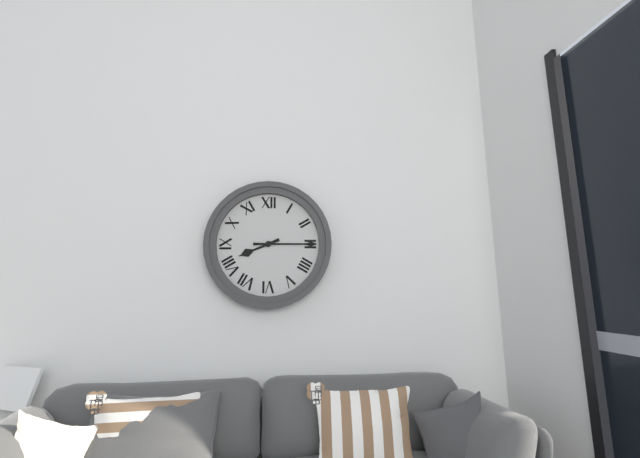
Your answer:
8:15
